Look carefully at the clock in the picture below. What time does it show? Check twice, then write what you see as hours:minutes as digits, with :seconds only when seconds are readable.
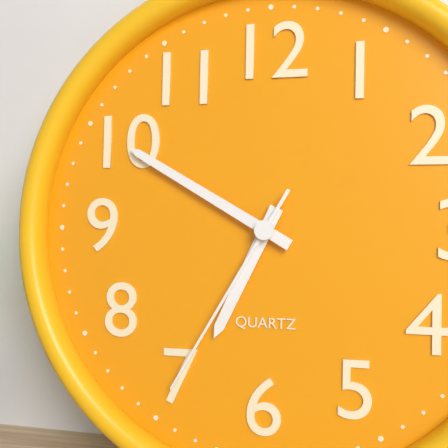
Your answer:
6:50:35
